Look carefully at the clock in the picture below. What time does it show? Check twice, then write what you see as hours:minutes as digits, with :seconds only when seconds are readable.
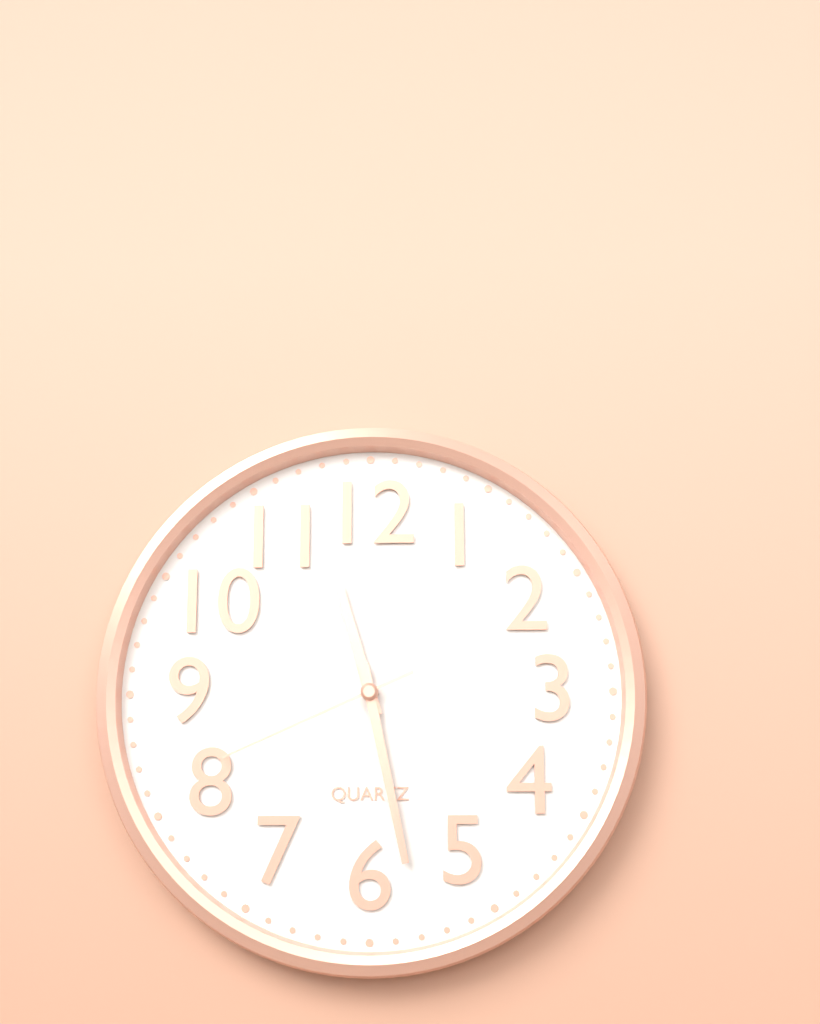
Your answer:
11:28:41
